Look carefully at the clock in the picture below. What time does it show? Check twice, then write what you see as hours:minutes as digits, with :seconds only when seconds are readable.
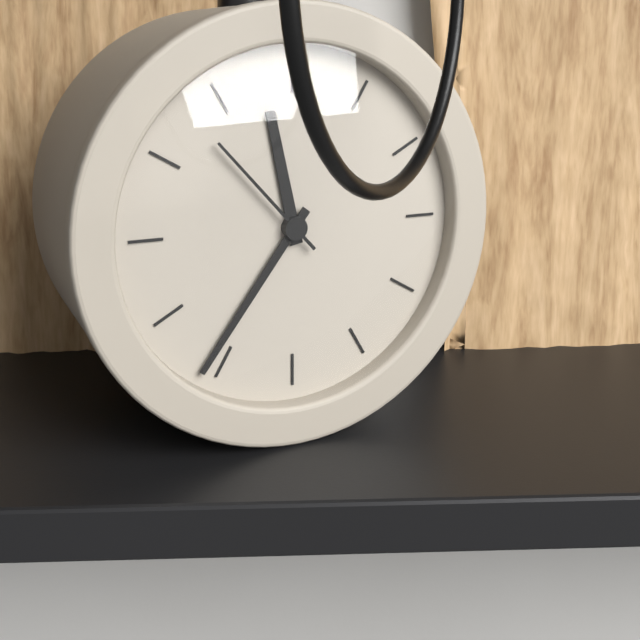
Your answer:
11:36:53
